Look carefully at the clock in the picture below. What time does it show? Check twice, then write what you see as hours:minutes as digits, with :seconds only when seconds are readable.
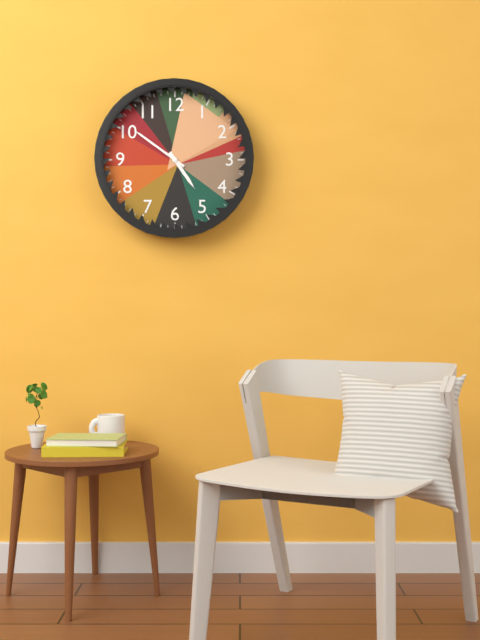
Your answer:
4:51
